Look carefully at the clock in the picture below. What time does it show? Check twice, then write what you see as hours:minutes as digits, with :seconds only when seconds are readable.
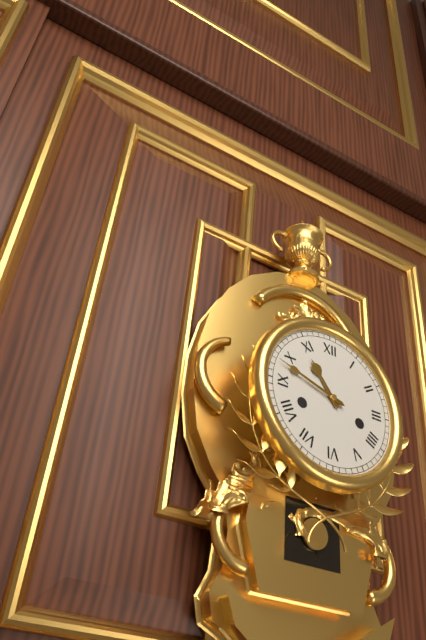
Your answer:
10:48
